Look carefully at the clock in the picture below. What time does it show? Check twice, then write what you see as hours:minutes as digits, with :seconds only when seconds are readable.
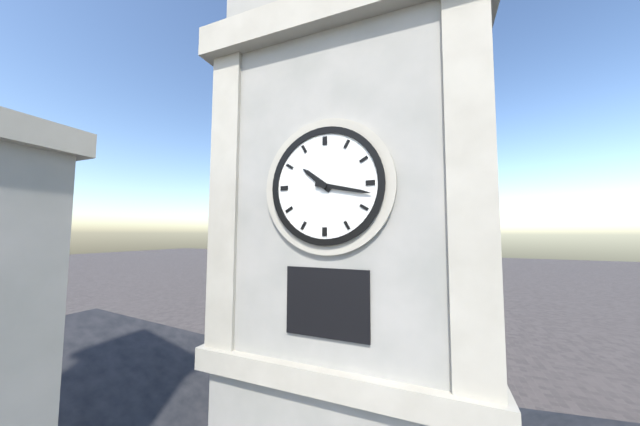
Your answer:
10:17
